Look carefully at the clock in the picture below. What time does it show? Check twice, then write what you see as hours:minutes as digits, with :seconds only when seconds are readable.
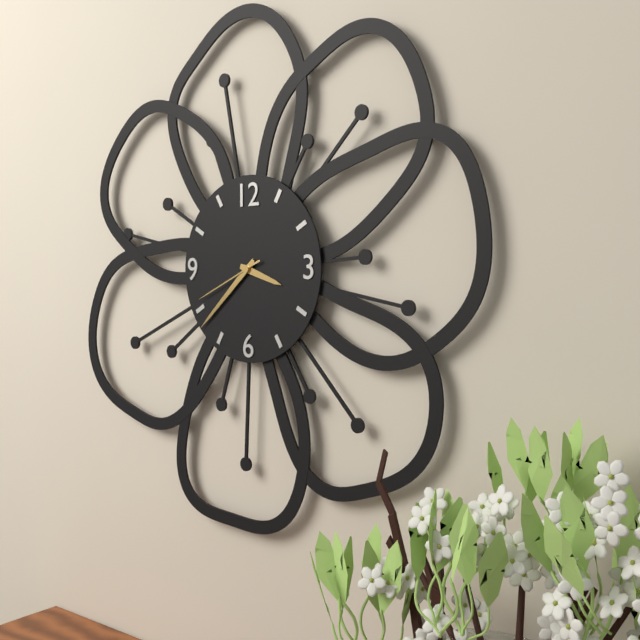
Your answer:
3:38:41
